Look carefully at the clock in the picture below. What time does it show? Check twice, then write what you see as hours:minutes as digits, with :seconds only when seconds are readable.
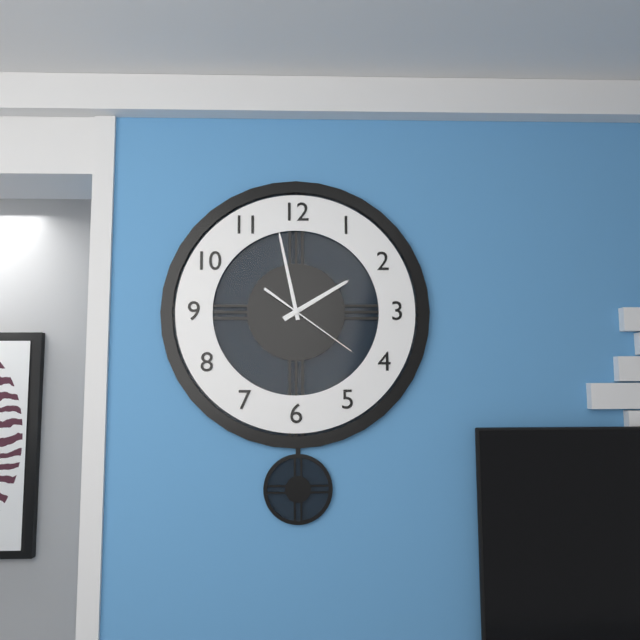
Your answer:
1:58:21
